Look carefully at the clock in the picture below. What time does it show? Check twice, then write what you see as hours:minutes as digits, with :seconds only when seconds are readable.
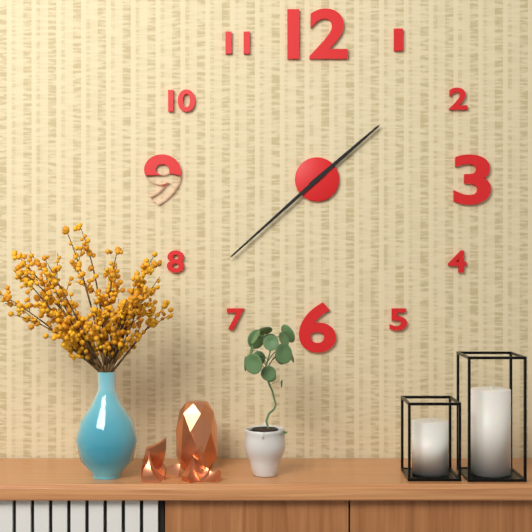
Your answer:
1:38
